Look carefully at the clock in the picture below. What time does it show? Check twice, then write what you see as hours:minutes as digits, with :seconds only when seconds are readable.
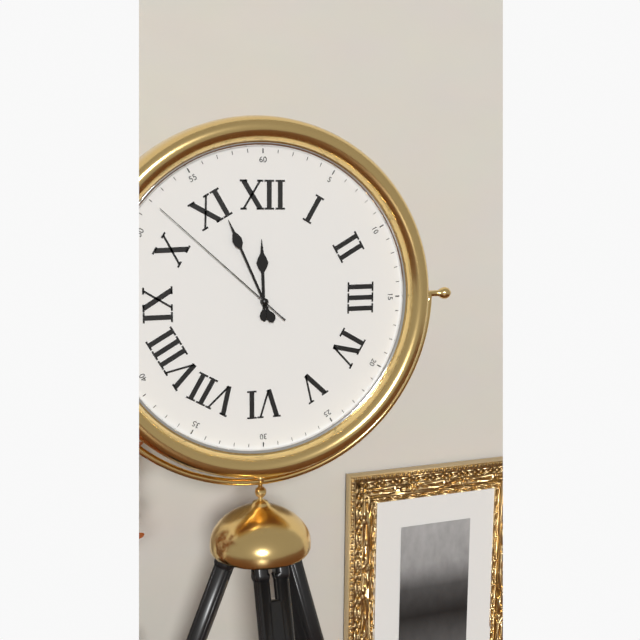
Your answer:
11:56:52
